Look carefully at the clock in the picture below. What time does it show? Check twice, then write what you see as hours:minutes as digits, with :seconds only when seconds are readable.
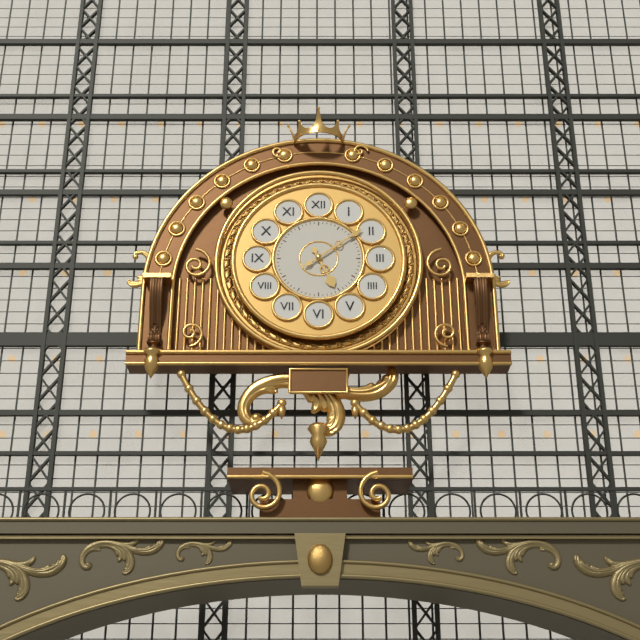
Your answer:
5:09
